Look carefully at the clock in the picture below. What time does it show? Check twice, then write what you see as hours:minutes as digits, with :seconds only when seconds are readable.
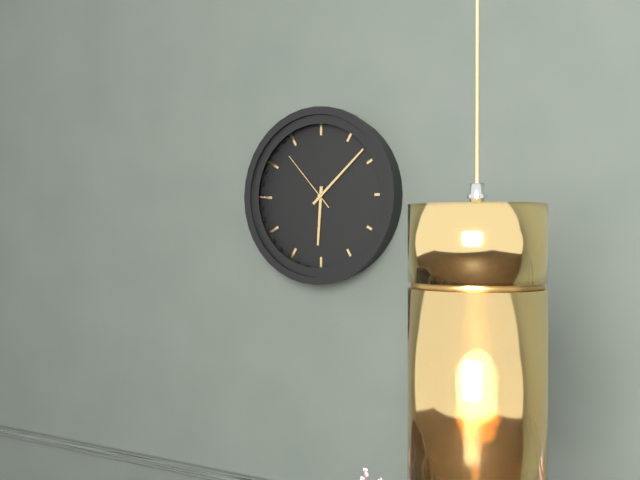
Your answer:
6:08:53
